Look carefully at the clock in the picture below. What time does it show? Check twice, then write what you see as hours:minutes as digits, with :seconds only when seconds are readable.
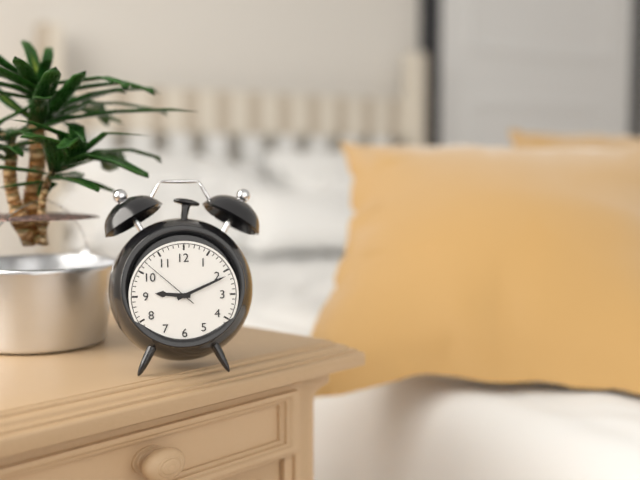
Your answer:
9:11:52
